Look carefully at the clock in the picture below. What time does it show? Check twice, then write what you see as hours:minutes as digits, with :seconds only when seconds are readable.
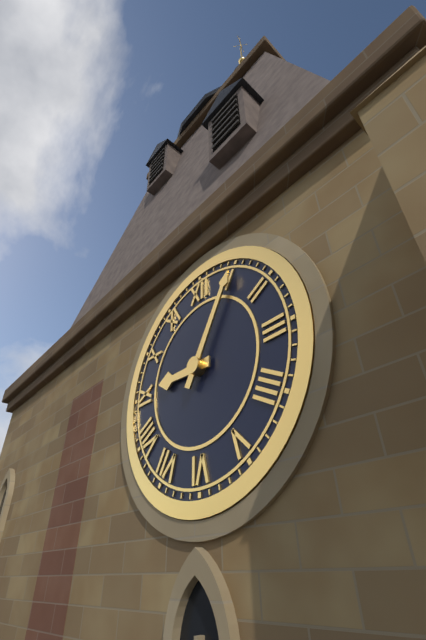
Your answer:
9:05
